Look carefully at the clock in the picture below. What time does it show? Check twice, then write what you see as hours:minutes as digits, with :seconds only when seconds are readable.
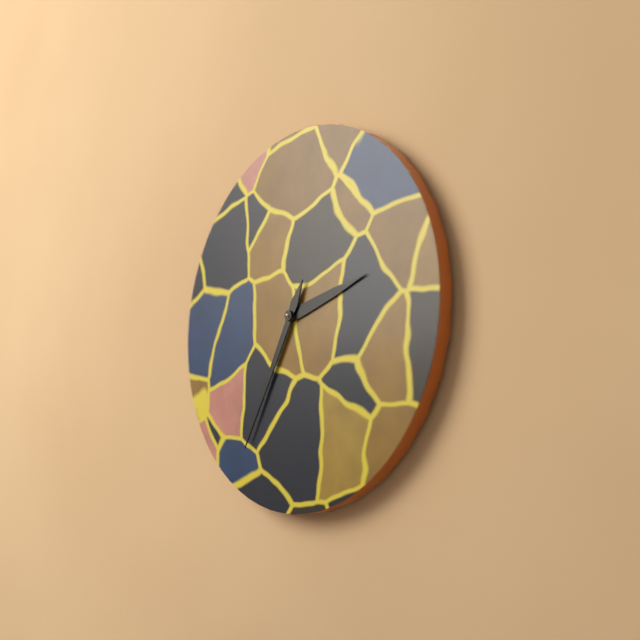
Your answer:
2:35
